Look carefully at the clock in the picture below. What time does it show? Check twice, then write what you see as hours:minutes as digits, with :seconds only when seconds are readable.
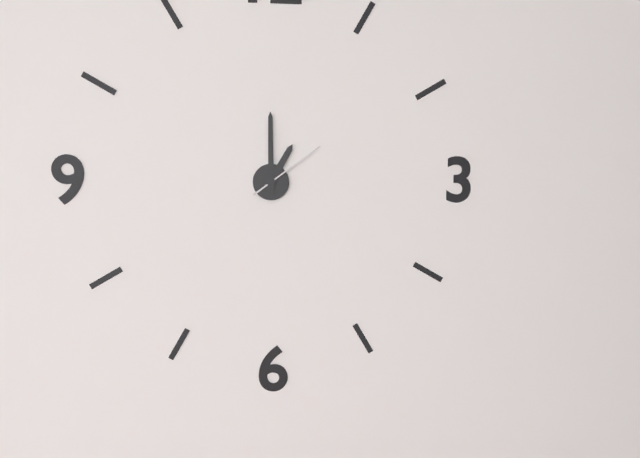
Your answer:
1:00:09
